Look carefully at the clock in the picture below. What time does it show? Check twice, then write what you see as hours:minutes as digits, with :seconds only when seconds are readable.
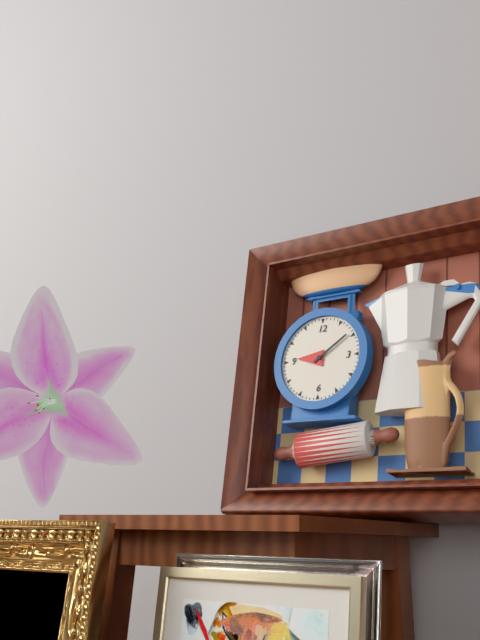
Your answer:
9:09
